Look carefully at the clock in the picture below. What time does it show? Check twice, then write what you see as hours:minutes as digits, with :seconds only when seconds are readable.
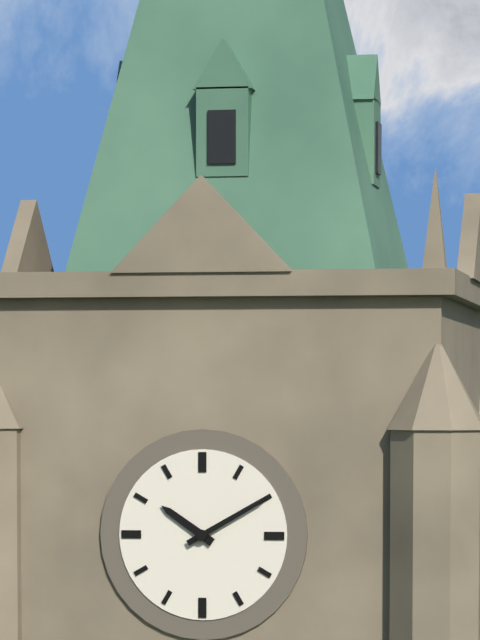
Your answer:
10:10
